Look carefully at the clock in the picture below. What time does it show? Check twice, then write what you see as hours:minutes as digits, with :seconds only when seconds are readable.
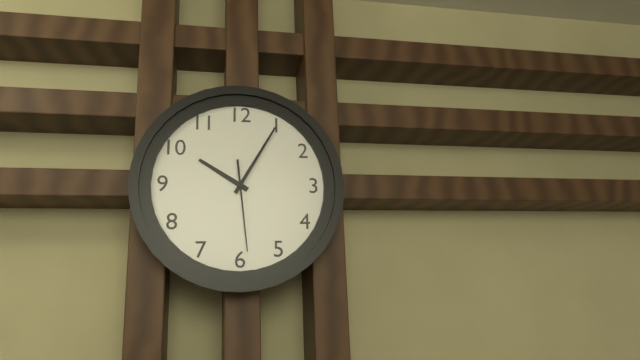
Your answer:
10:05:29
